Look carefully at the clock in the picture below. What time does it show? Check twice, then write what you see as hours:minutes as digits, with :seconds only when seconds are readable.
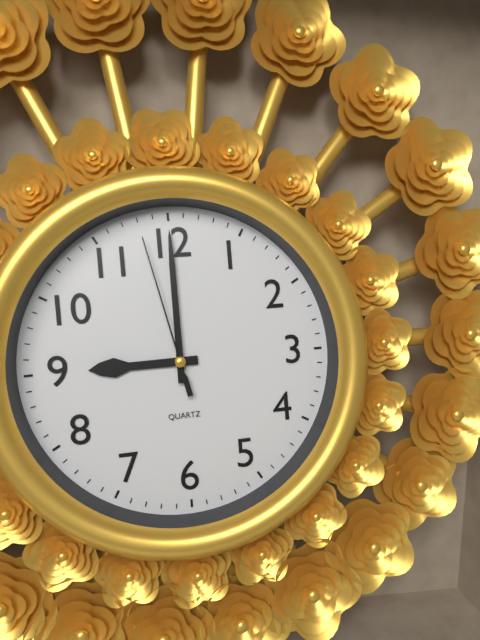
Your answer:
9:00:58
